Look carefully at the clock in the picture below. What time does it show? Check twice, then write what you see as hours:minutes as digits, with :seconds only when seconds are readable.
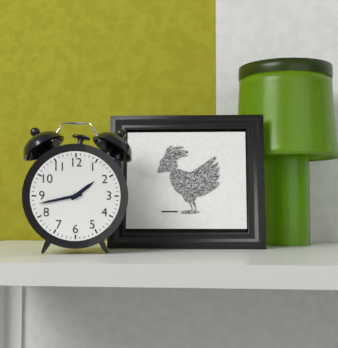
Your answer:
1:43
